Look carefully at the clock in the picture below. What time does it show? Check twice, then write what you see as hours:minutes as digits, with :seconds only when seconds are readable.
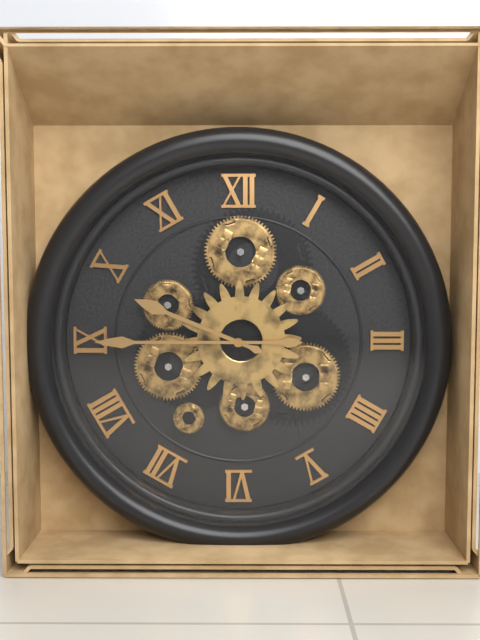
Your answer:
9:45
